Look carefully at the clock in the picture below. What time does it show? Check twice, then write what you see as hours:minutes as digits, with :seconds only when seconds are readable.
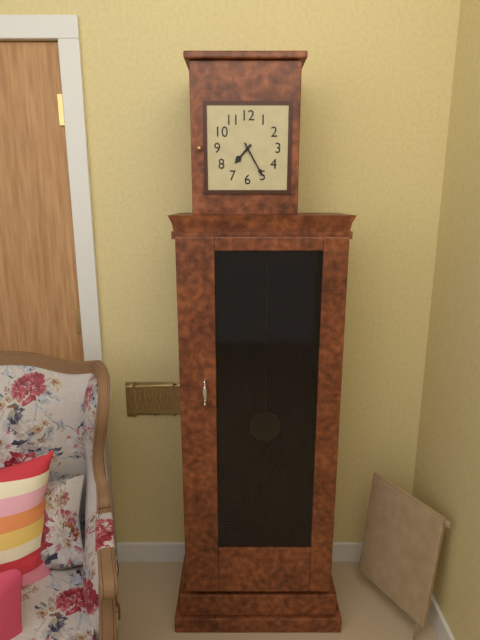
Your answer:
7:25
